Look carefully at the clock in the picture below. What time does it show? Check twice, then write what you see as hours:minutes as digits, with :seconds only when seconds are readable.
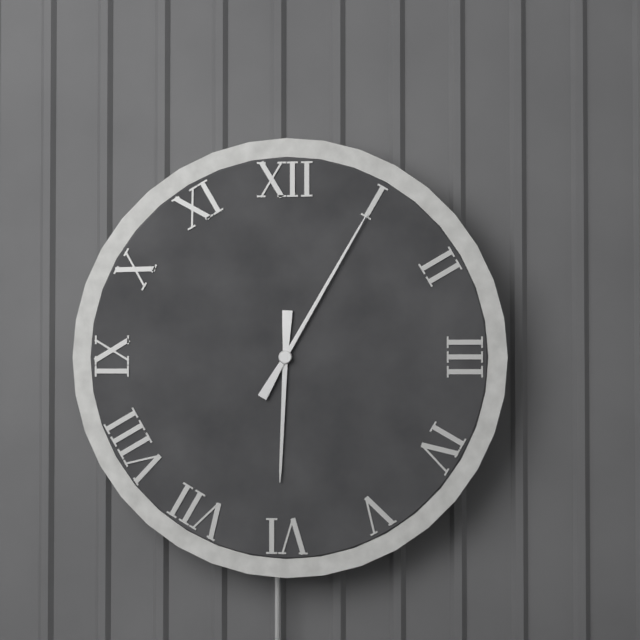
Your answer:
6:05
